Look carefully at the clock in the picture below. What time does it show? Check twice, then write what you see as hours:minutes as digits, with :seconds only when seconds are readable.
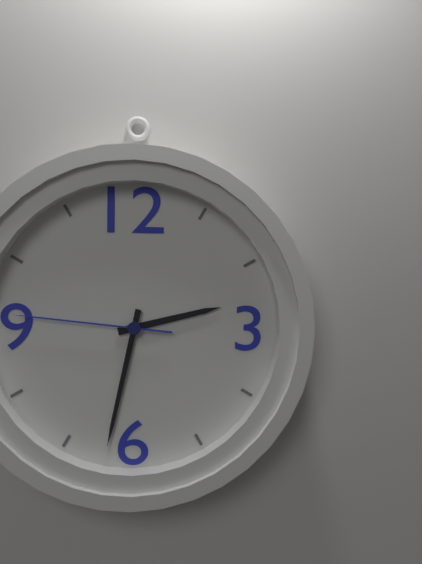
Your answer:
2:32:46
